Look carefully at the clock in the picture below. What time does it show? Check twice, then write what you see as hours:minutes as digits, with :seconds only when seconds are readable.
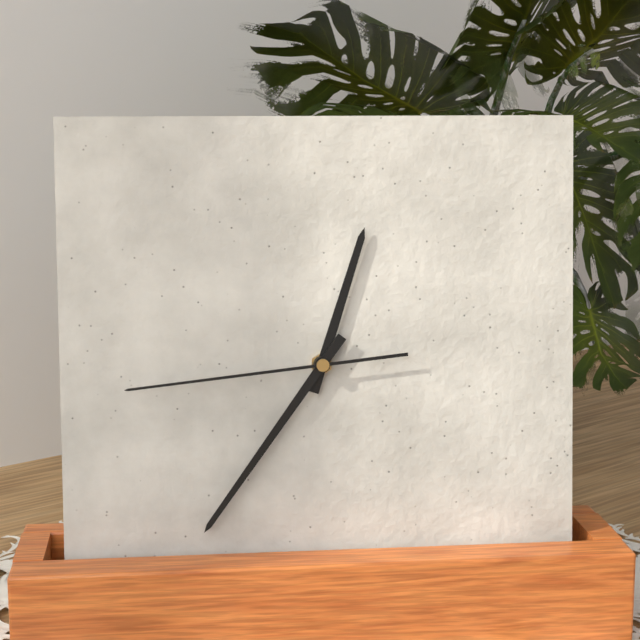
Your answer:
12:36:44
